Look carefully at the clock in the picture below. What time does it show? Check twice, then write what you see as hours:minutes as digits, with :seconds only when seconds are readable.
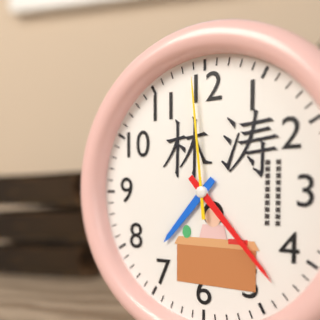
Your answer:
7:23:59
